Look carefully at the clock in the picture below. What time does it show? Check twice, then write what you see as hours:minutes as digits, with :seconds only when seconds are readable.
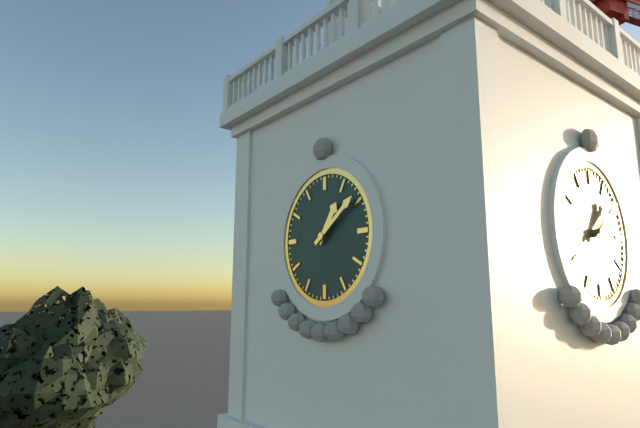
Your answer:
1:09
